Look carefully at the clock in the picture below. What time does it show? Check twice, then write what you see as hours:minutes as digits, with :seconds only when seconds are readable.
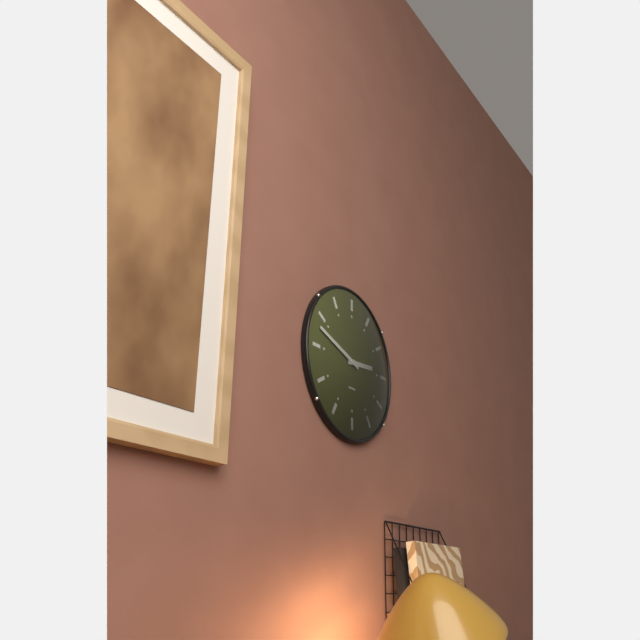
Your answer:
2:48
